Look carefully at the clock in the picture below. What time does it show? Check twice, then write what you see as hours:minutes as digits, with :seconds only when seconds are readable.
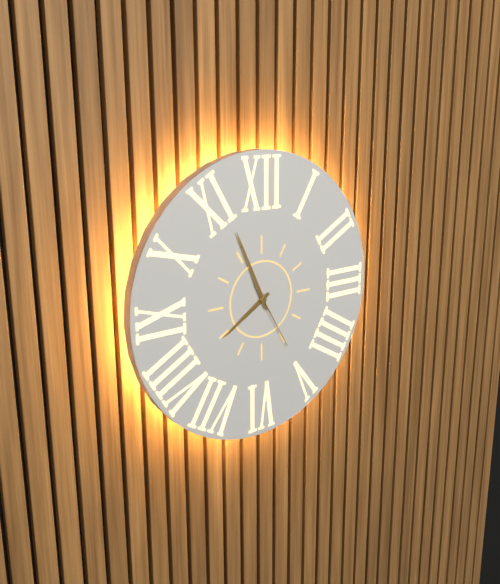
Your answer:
7:56:25
